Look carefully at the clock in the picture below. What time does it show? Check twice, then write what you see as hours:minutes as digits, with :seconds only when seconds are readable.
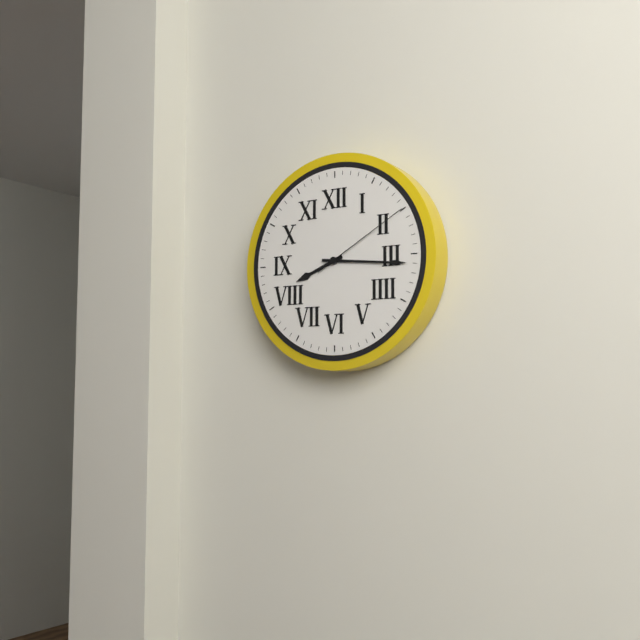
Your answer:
8:16:10
